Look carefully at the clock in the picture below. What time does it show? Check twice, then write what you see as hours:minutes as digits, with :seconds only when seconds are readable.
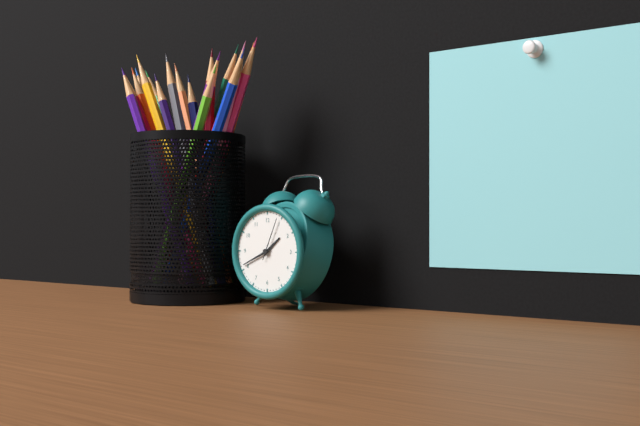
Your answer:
1:41
